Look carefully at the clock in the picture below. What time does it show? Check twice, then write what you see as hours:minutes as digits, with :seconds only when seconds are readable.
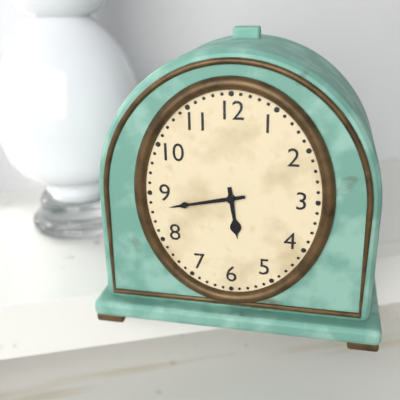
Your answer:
5:43
